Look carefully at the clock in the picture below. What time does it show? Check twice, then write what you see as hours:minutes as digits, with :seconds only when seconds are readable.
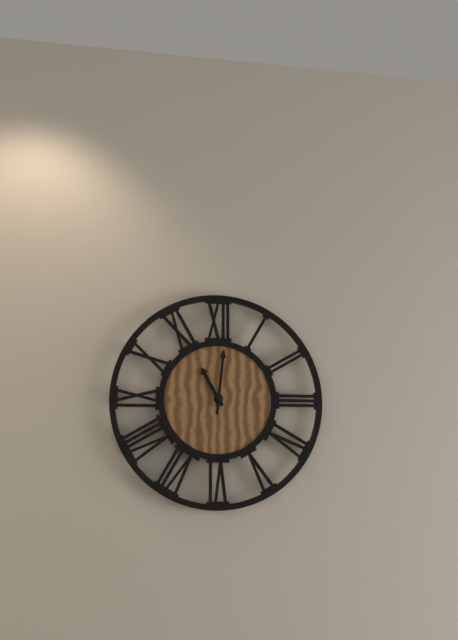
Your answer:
11:01
